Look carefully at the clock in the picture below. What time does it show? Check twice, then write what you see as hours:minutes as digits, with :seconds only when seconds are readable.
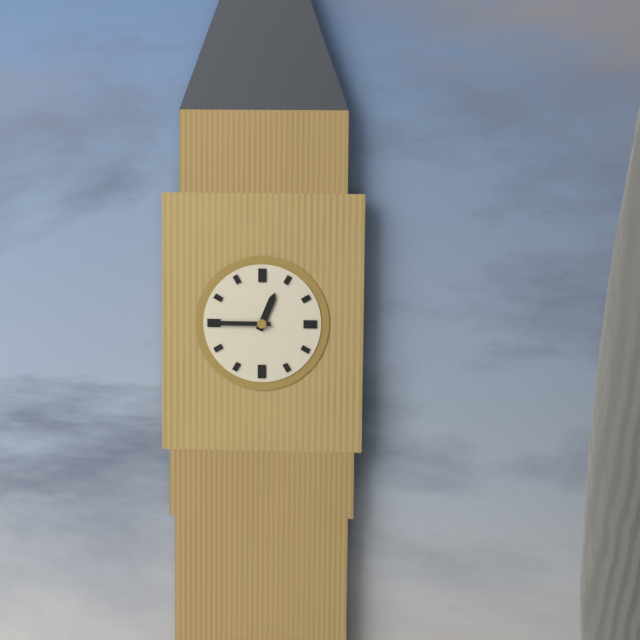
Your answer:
12:45
